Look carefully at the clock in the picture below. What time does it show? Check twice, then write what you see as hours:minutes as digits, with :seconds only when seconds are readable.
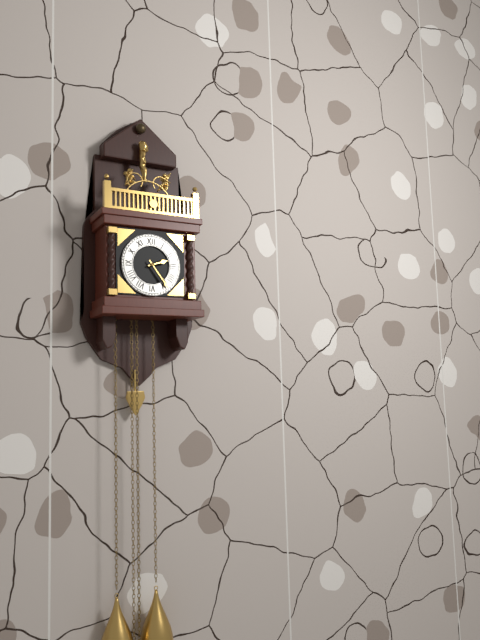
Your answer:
2:24
